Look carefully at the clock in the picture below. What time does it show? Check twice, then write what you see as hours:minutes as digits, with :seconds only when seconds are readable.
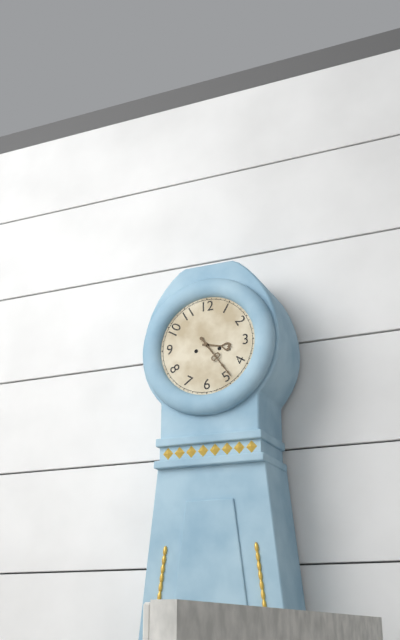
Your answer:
3:24
